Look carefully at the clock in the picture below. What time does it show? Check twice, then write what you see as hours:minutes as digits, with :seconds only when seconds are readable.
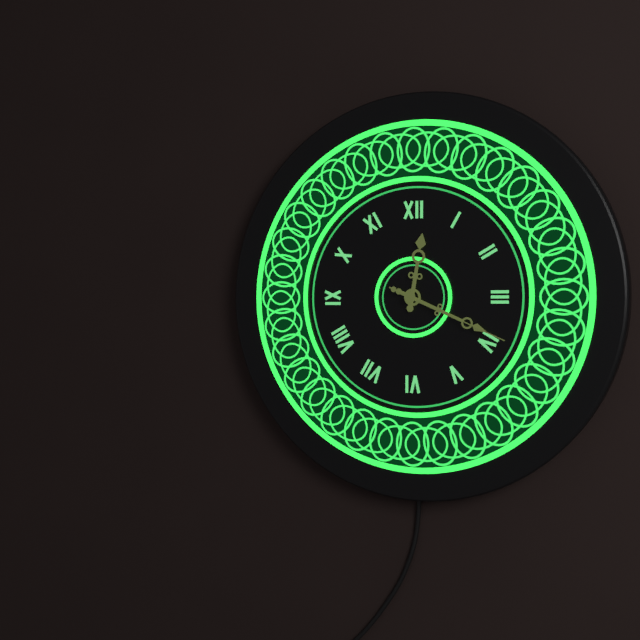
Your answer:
12:19:19
